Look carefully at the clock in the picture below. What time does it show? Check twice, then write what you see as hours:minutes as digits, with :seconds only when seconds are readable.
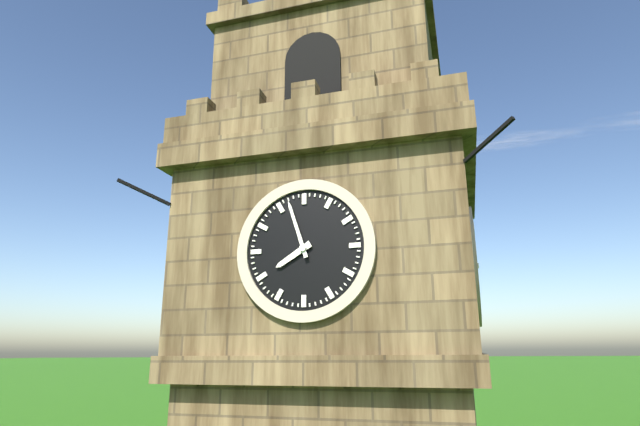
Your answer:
7:57
